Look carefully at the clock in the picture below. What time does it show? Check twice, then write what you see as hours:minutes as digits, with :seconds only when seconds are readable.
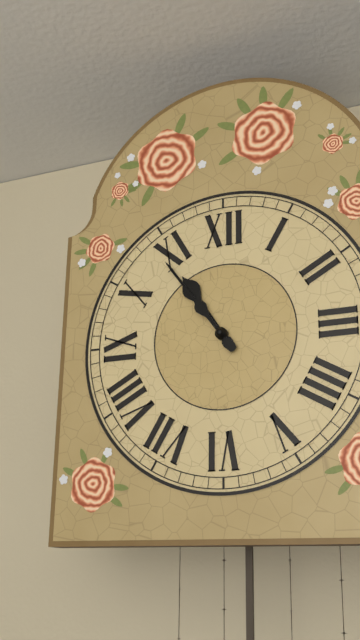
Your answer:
10:54
